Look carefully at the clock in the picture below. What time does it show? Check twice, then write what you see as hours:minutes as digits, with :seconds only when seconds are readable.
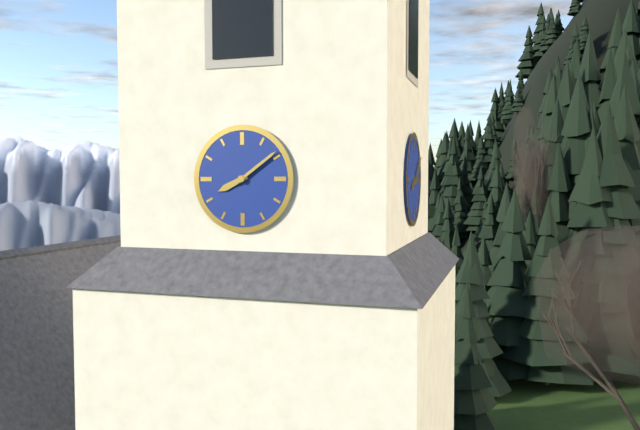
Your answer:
8:09
